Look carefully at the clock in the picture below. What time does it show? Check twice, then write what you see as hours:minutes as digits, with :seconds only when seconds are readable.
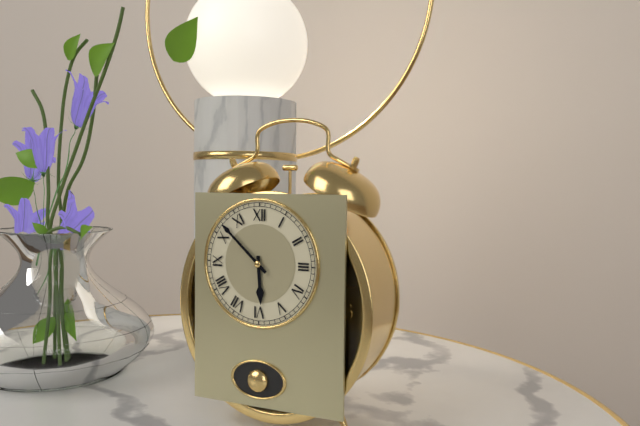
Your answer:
5:52
